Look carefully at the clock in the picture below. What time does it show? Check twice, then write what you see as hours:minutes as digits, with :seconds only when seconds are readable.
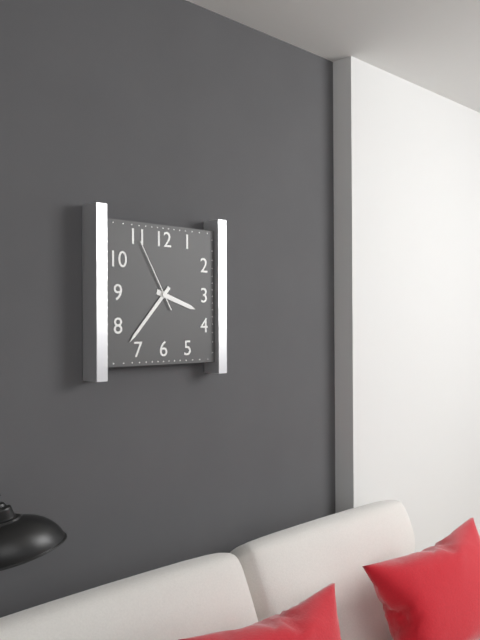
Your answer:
3:37:55
